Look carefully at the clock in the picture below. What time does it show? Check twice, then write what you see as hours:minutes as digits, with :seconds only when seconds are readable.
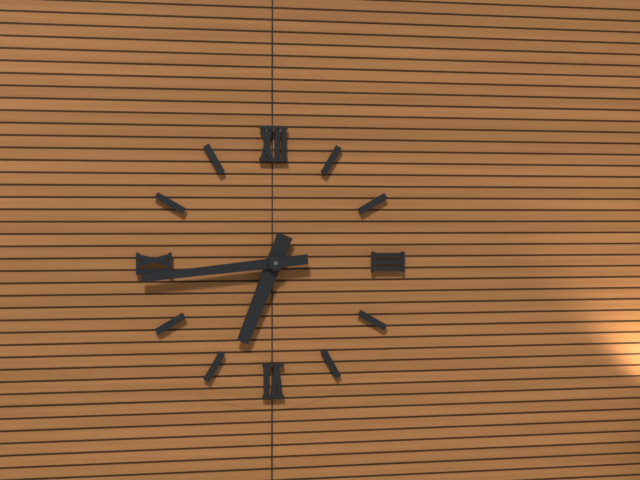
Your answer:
6:44
